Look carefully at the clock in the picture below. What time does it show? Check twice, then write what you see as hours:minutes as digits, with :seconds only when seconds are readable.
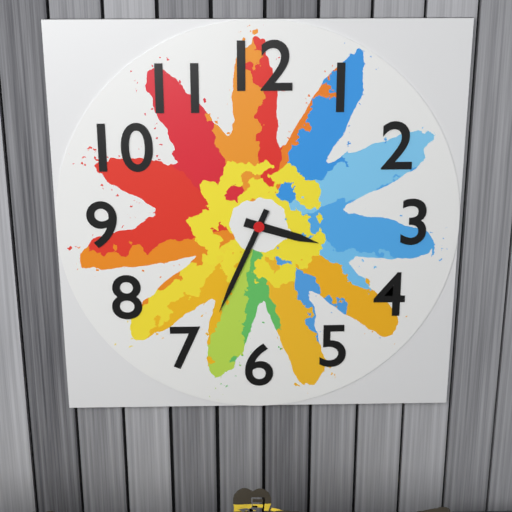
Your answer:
3:34
